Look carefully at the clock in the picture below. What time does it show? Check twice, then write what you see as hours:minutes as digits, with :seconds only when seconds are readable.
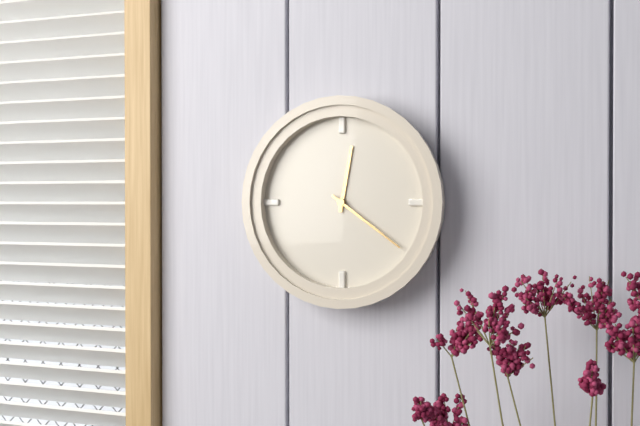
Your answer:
12:21
